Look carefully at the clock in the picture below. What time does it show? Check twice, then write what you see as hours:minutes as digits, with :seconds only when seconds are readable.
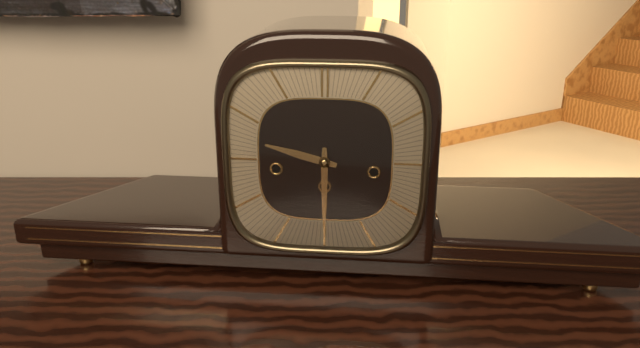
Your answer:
9:30
